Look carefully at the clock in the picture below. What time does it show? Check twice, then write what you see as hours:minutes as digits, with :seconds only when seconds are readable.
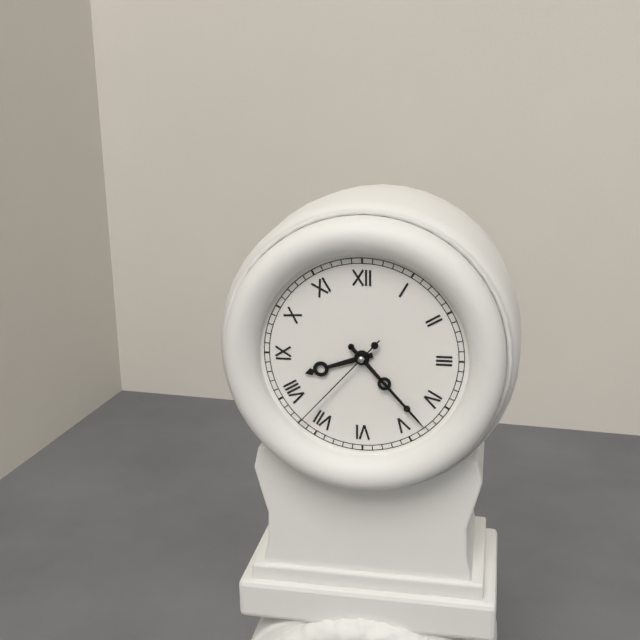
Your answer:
8:23:37
